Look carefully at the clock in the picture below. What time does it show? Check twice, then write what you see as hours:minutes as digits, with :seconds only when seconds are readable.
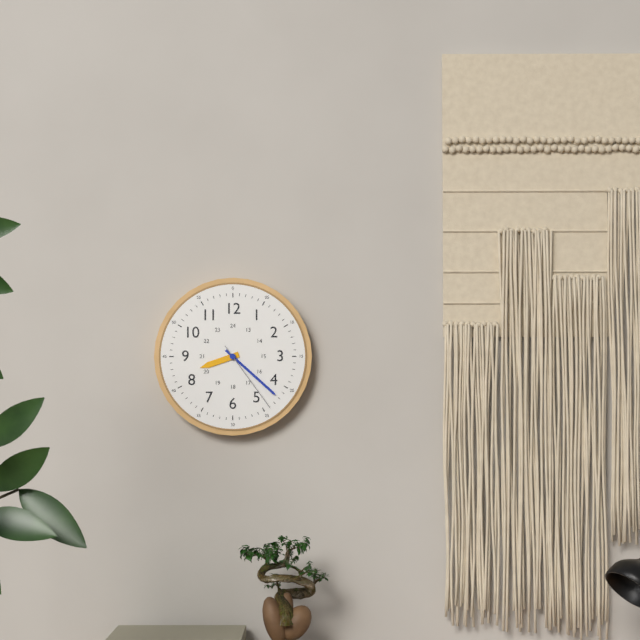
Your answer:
8:22:24
